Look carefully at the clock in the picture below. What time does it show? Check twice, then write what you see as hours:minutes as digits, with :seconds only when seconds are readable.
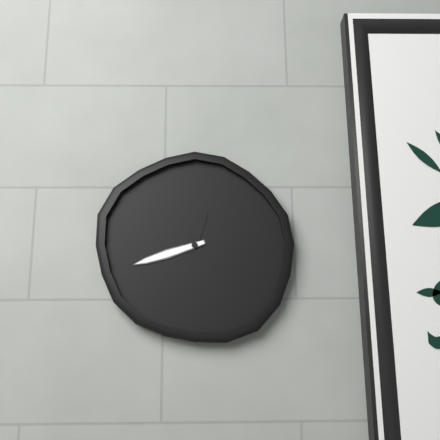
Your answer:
12:42
